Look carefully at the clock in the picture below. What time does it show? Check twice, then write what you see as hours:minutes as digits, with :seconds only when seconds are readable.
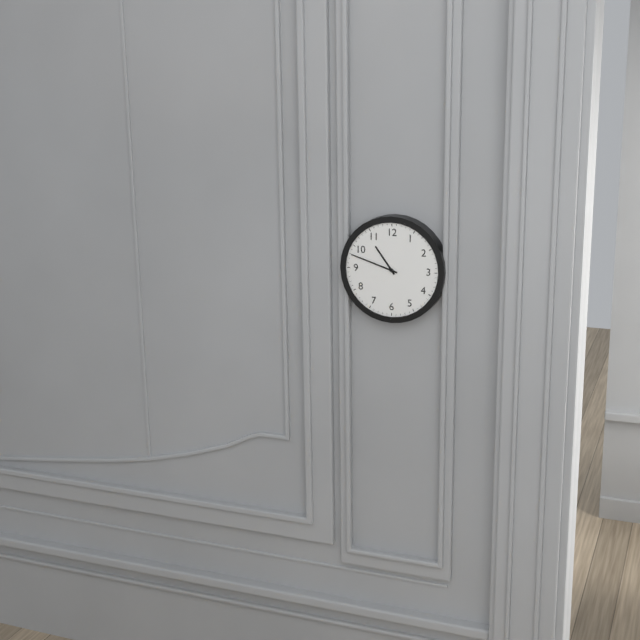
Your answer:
10:48
